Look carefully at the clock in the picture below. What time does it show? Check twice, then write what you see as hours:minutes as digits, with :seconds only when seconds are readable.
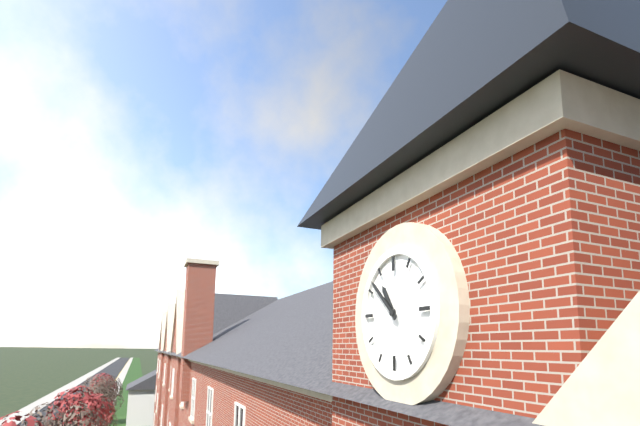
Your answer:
10:52
